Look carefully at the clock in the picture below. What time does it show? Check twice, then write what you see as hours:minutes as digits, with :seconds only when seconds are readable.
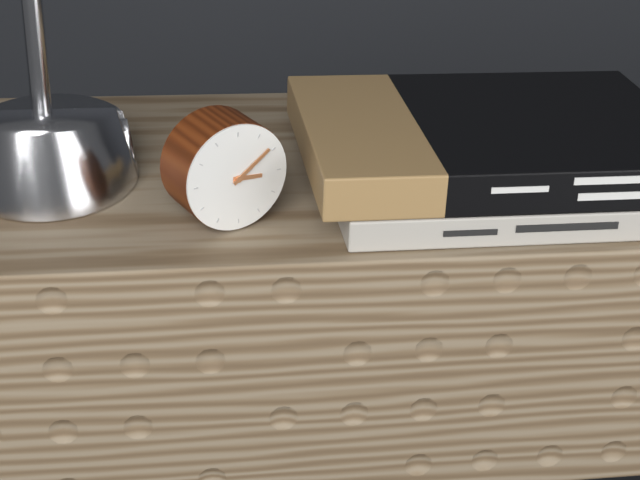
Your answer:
3:09
